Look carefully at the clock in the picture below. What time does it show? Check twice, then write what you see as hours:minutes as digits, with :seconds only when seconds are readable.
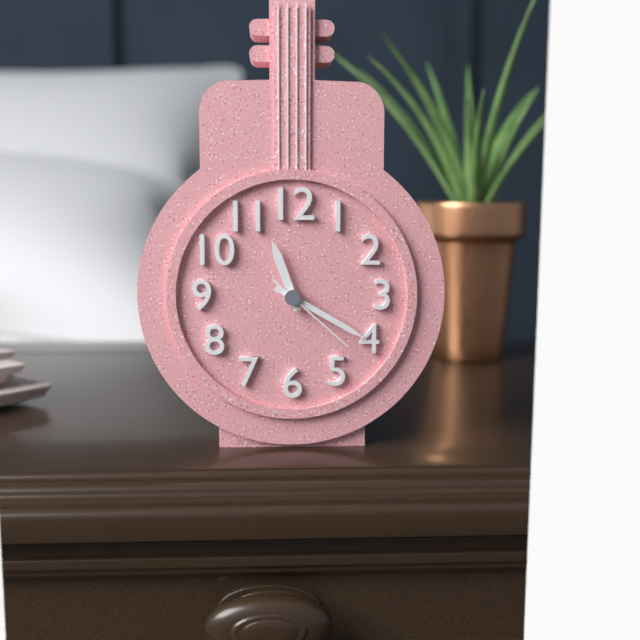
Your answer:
11:20:22
